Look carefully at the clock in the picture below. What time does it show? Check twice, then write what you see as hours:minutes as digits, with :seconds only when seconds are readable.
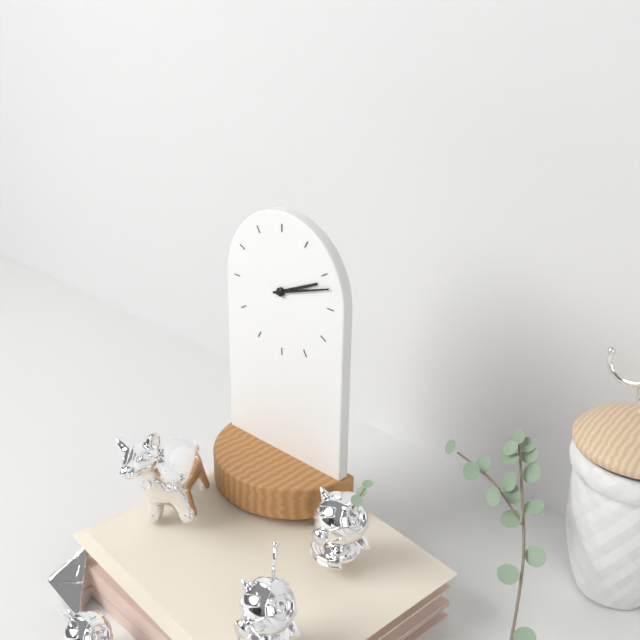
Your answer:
2:12
